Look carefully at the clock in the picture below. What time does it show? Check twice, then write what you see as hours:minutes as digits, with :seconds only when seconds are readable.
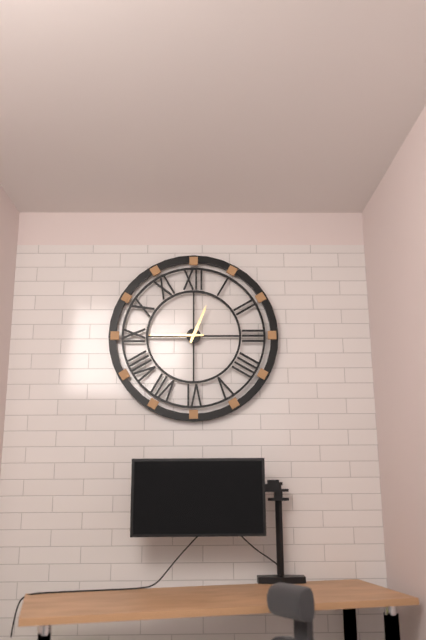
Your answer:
12:45
